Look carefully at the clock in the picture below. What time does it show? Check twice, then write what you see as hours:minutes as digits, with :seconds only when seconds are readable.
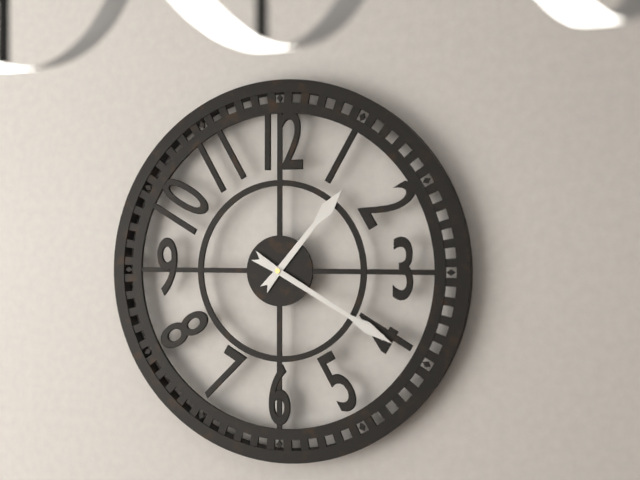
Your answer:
1:20
